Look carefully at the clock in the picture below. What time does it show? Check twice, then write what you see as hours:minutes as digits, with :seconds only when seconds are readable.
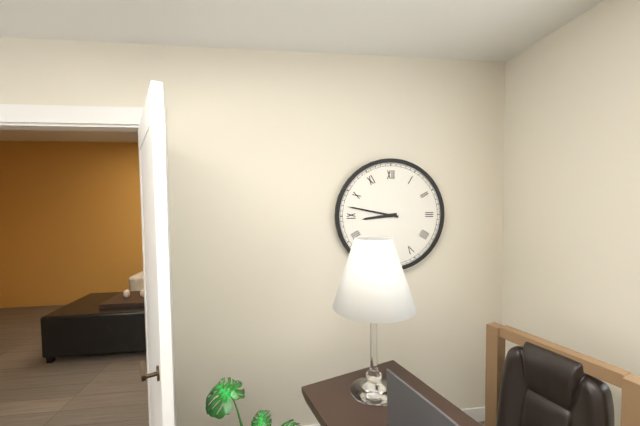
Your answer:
8:47
